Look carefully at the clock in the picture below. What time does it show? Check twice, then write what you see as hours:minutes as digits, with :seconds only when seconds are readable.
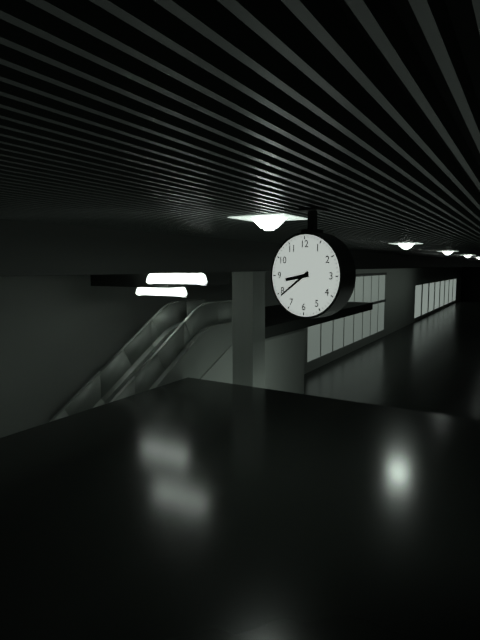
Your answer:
8:39
